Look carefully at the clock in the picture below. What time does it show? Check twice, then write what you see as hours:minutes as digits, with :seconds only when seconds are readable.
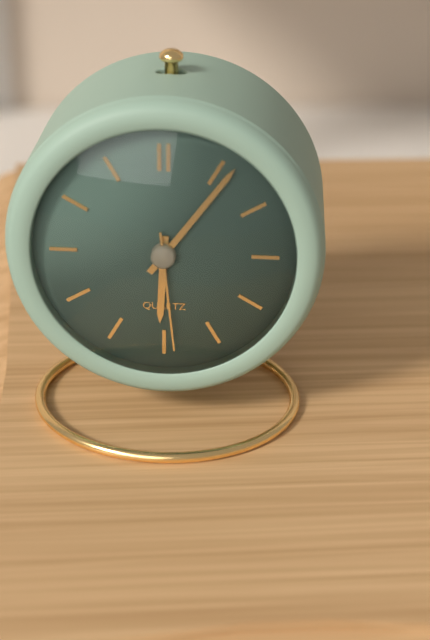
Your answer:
6:06:29
